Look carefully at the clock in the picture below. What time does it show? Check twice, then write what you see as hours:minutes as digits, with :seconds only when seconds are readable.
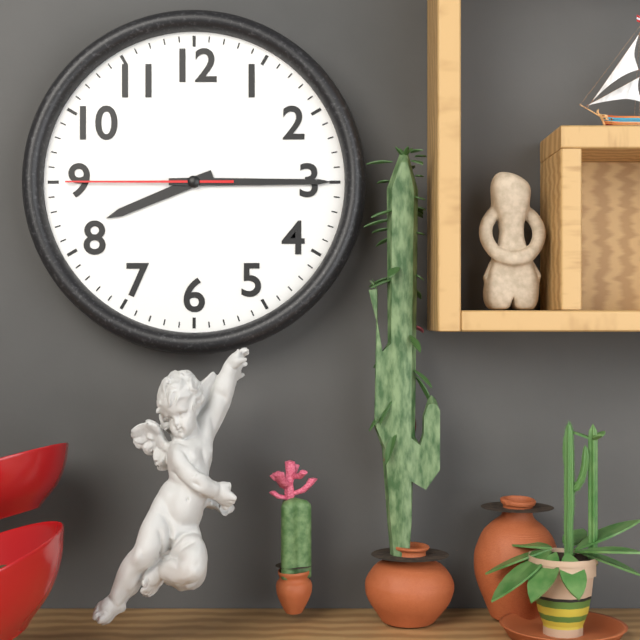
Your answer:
8:15:45
